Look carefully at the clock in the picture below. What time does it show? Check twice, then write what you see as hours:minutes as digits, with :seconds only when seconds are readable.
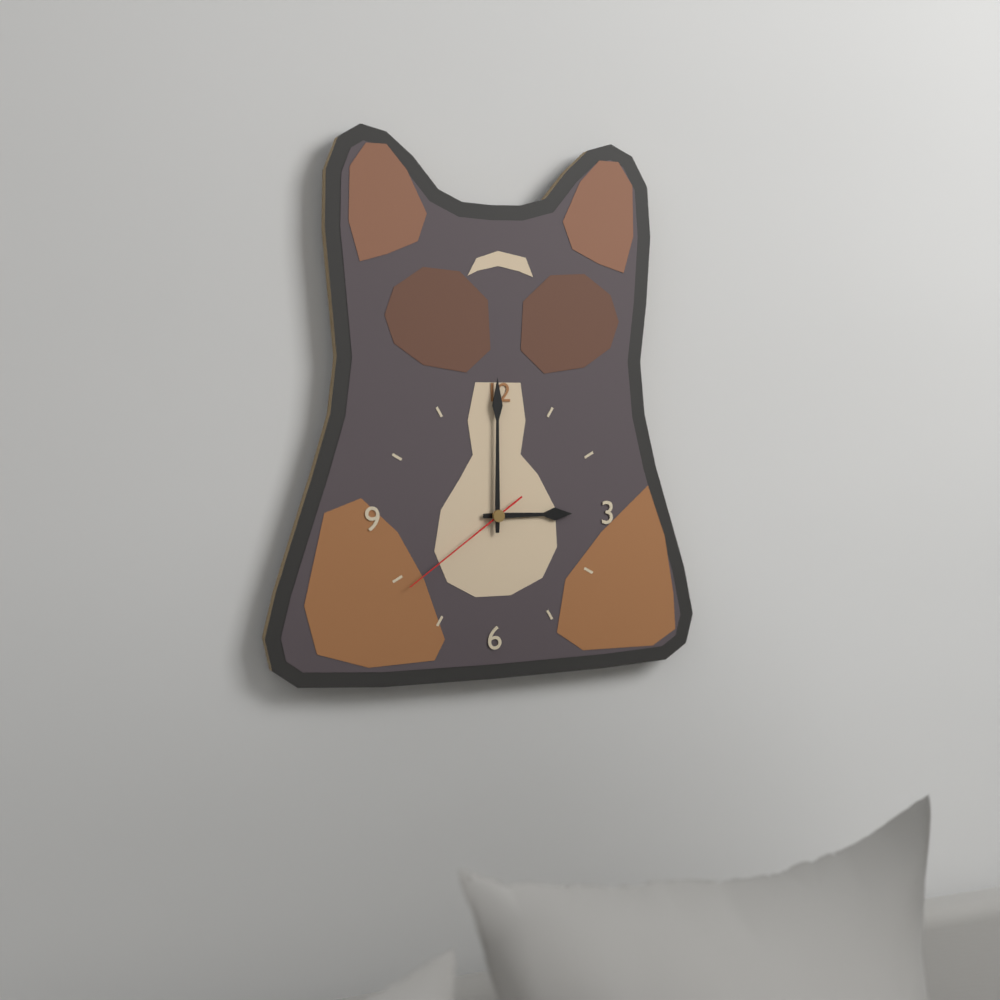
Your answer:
3:00:39
